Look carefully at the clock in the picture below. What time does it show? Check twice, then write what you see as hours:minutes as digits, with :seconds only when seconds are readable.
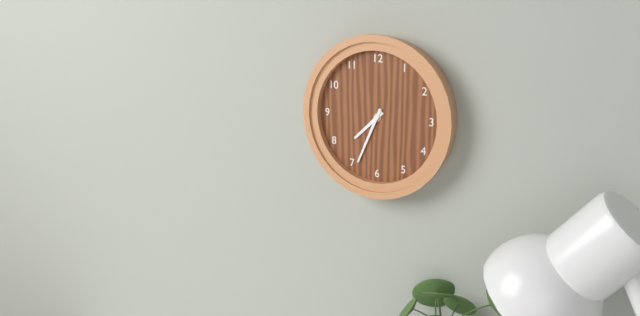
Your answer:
7:34
